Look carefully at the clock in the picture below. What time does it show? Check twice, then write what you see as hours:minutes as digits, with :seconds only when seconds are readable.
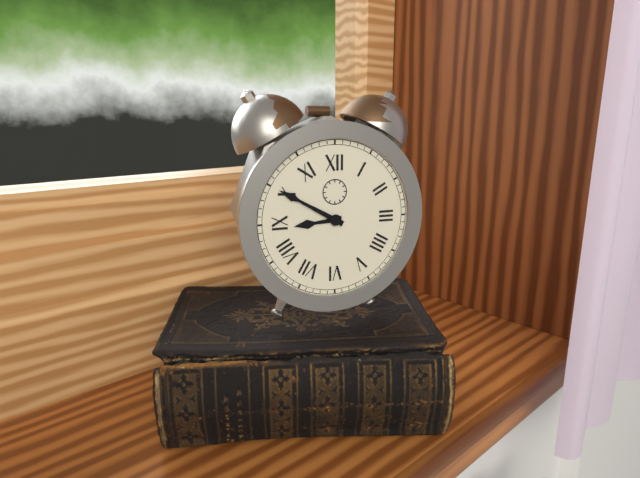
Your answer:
8:50
